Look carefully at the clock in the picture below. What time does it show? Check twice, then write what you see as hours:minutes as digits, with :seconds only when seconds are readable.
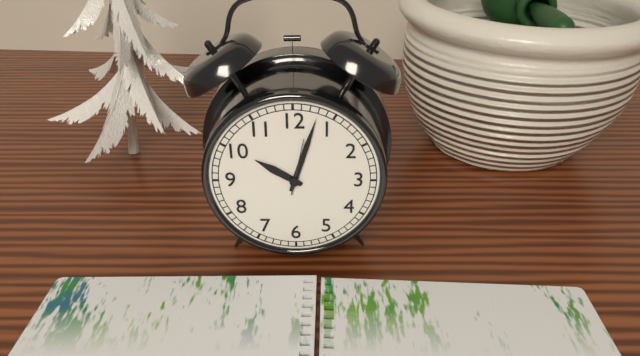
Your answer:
10:03:02
